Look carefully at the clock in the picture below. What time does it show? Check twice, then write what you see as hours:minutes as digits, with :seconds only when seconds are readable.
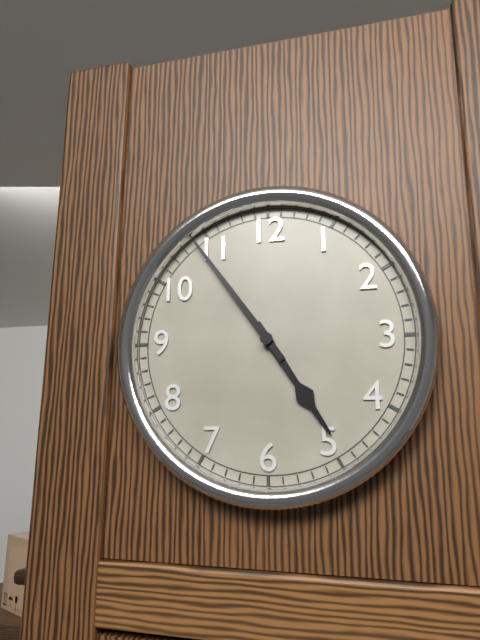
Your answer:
4:54
